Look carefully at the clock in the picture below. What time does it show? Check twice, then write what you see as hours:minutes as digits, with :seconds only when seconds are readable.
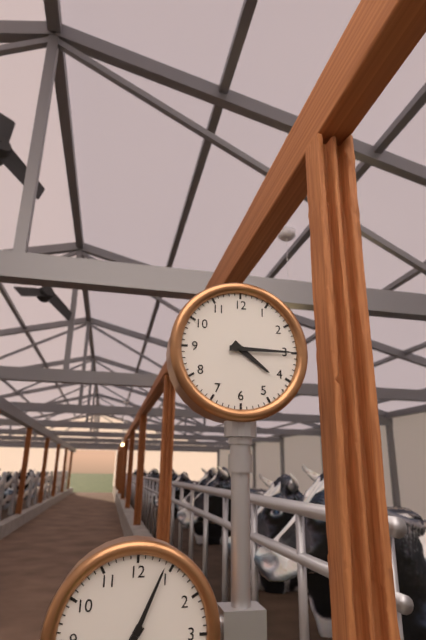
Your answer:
4:15
